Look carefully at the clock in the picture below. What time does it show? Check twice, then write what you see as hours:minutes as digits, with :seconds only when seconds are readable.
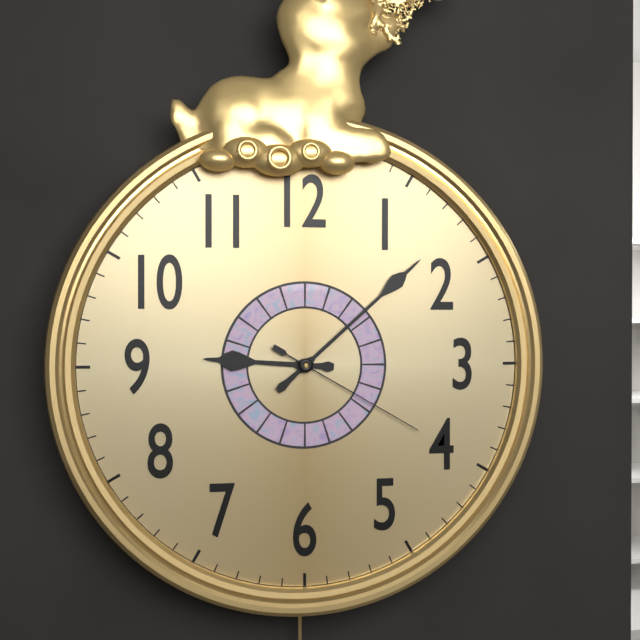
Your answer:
9:08:20
